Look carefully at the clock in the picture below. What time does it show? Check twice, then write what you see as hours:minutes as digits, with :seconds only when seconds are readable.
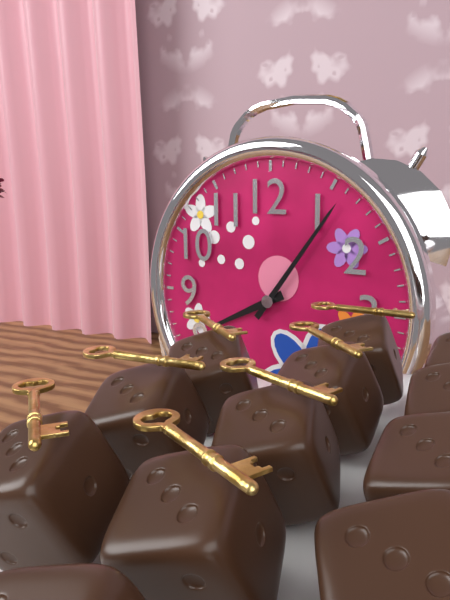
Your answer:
8:06
